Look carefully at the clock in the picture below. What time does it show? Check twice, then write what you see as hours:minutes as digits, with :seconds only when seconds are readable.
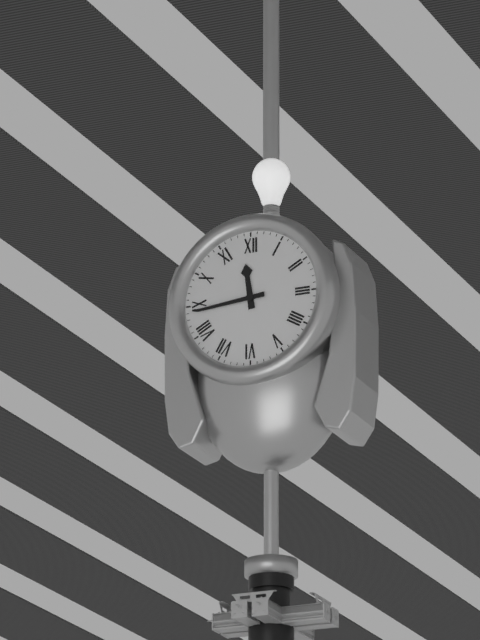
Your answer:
11:44
